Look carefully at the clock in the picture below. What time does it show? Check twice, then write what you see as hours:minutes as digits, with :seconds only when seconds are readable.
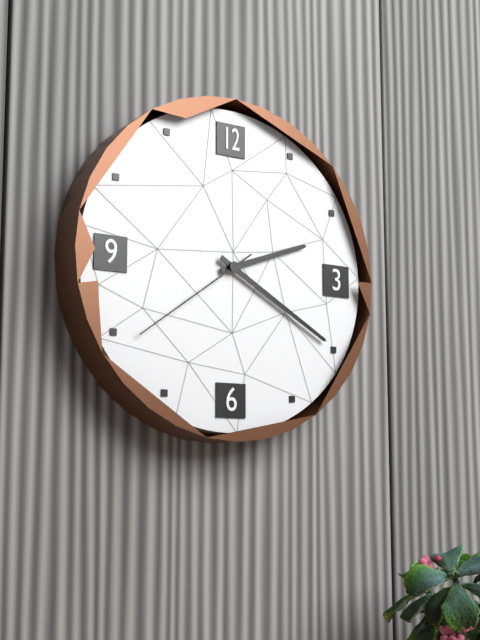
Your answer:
2:20:39
